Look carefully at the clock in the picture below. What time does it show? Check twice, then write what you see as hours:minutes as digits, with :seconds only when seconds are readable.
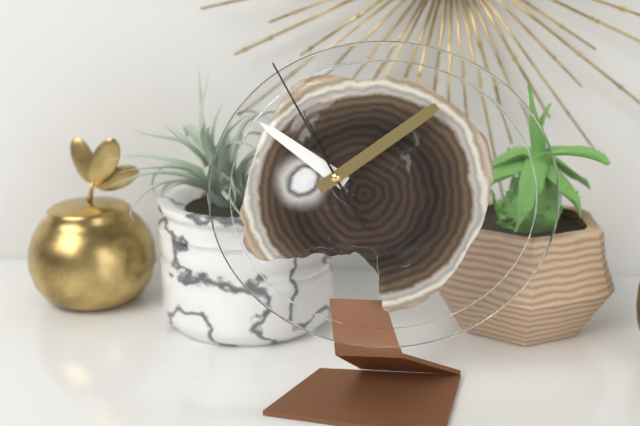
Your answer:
10:09:55
